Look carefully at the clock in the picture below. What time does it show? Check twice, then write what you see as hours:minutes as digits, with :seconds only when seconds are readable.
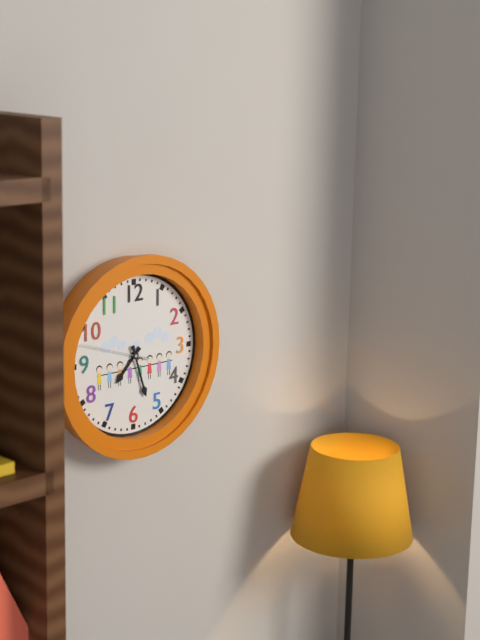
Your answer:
7:27:48
